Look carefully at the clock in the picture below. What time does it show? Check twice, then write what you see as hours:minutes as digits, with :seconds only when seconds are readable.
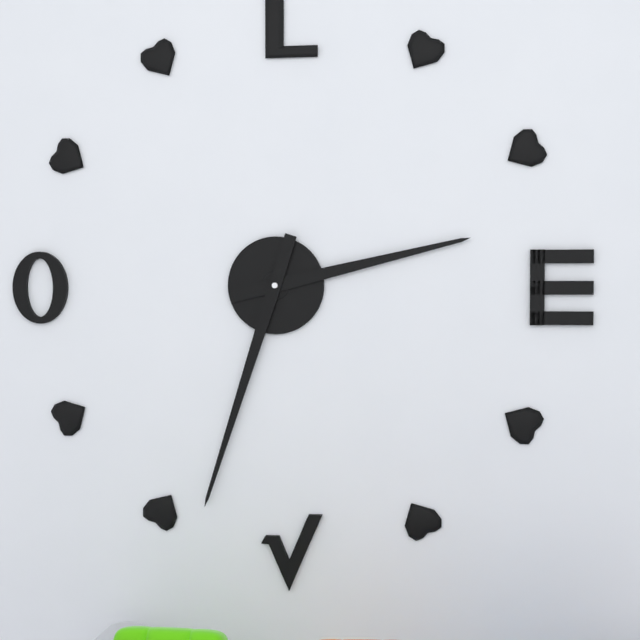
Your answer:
2:33
